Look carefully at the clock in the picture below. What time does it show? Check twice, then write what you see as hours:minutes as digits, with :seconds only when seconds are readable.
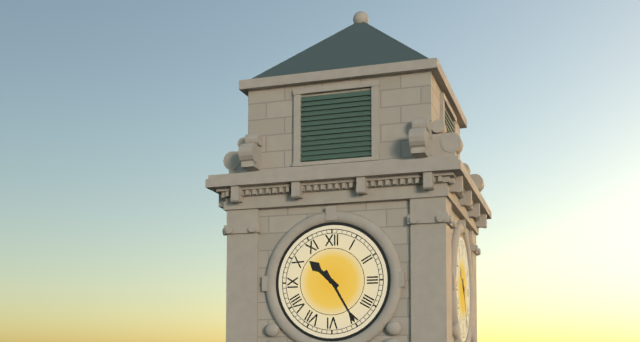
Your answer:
10:25
